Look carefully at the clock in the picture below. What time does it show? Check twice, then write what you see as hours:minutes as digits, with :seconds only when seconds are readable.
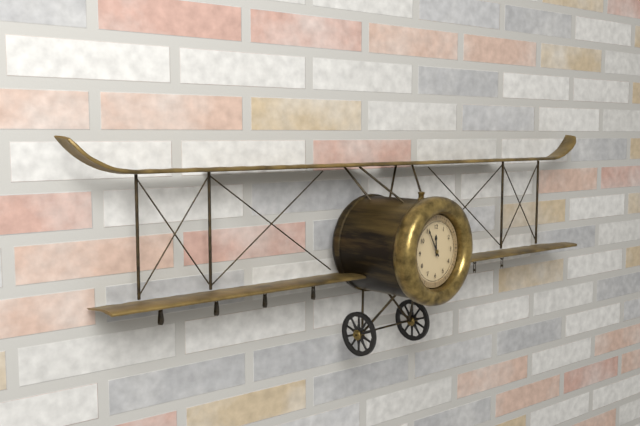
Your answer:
11:55
